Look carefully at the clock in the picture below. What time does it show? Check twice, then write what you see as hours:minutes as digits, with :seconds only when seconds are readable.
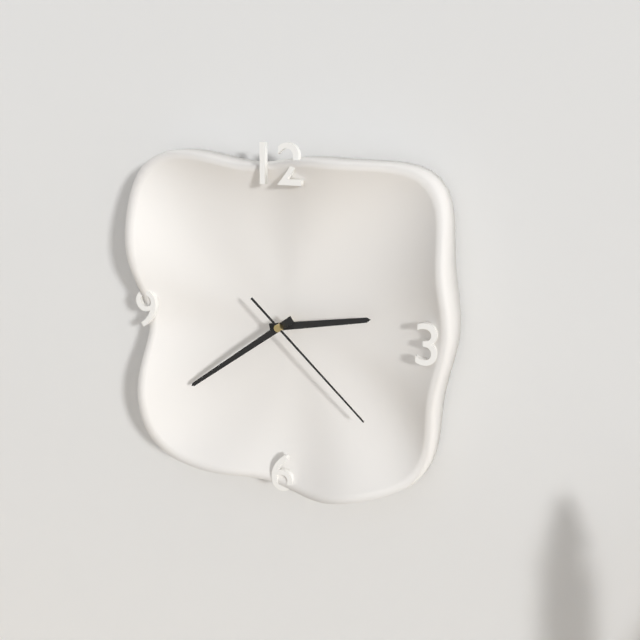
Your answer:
2:39:22
